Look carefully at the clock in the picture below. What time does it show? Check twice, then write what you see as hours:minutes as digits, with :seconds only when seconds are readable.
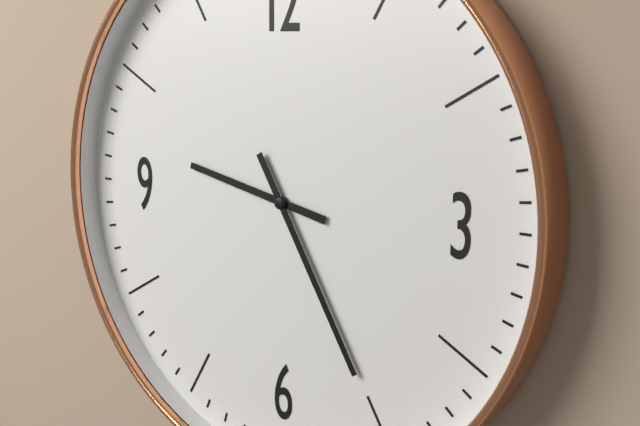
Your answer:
9:25
